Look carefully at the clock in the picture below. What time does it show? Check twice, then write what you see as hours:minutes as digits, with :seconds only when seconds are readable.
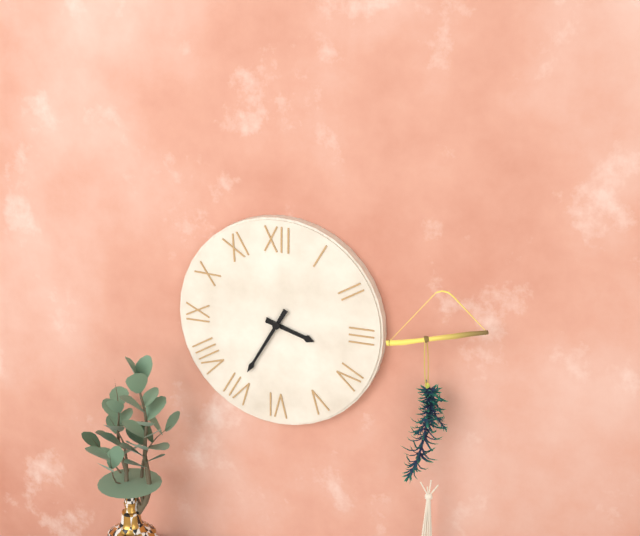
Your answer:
3:35
